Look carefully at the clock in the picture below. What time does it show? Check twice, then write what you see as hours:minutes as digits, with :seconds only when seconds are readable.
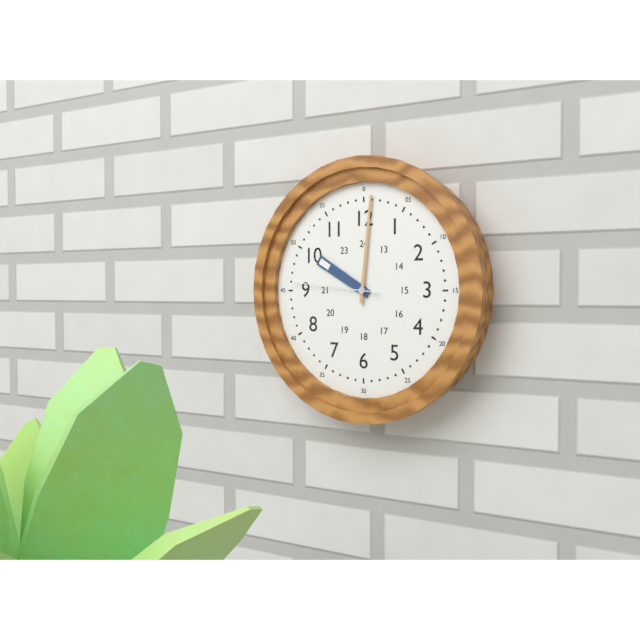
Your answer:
10:01:46
